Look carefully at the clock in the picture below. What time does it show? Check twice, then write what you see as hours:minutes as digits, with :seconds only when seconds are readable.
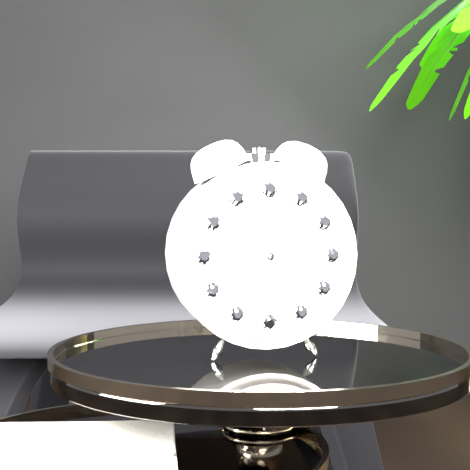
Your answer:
9:31:22
